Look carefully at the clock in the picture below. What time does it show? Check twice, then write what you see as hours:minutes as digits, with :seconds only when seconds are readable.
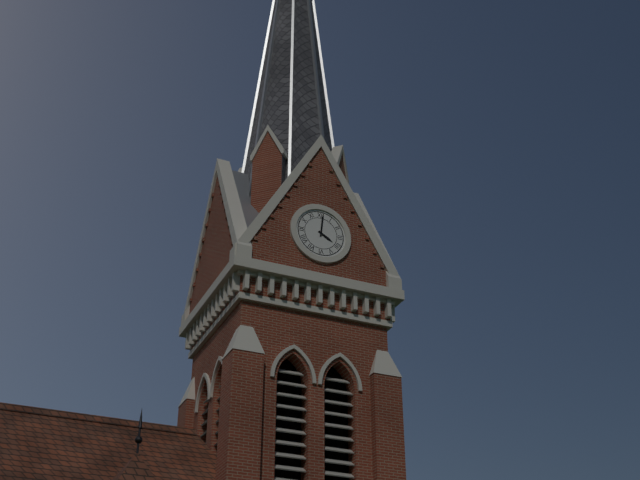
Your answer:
4:01
